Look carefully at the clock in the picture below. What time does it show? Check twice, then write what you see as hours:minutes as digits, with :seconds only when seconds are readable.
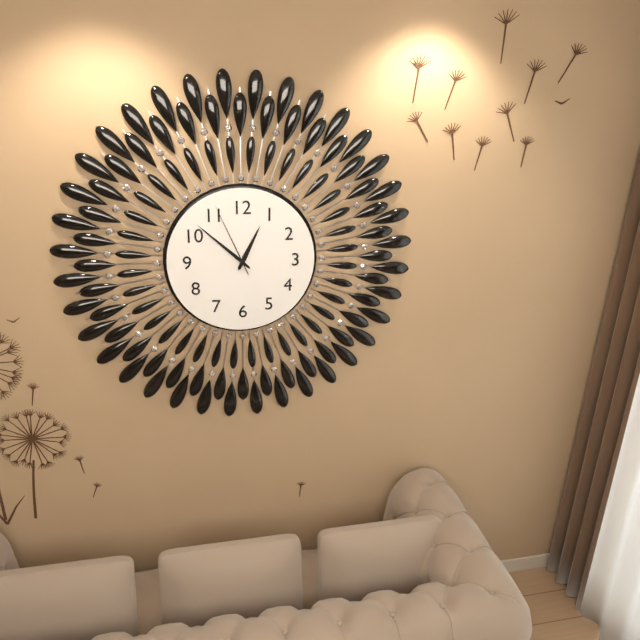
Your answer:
12:52:56
